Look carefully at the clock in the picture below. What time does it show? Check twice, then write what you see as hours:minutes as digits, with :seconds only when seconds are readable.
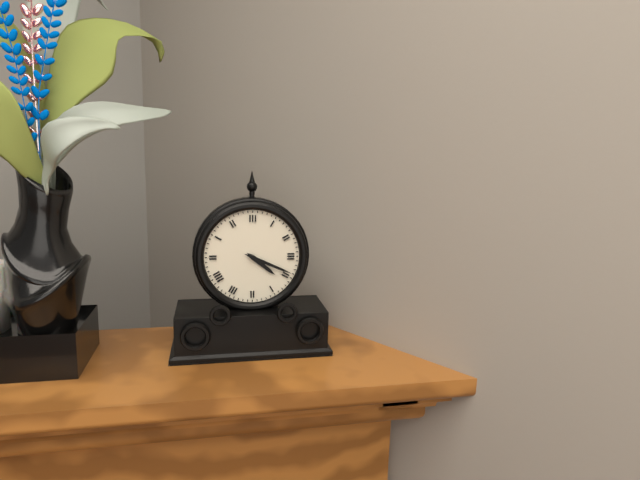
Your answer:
4:19
